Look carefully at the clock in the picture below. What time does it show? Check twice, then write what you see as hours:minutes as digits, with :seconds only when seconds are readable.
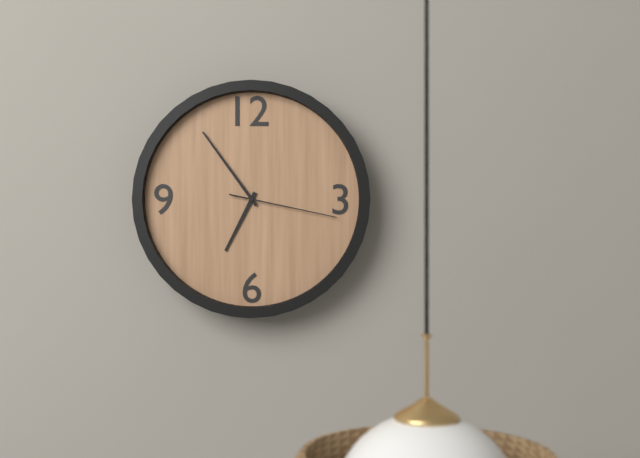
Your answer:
6:54:17
